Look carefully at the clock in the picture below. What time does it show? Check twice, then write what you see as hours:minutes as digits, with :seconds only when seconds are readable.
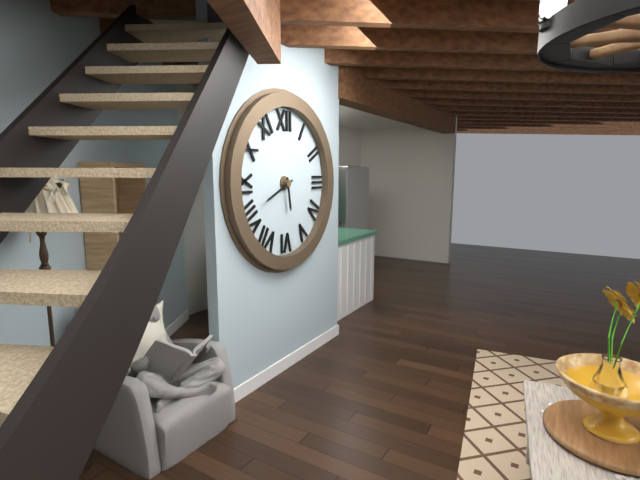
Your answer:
5:41
